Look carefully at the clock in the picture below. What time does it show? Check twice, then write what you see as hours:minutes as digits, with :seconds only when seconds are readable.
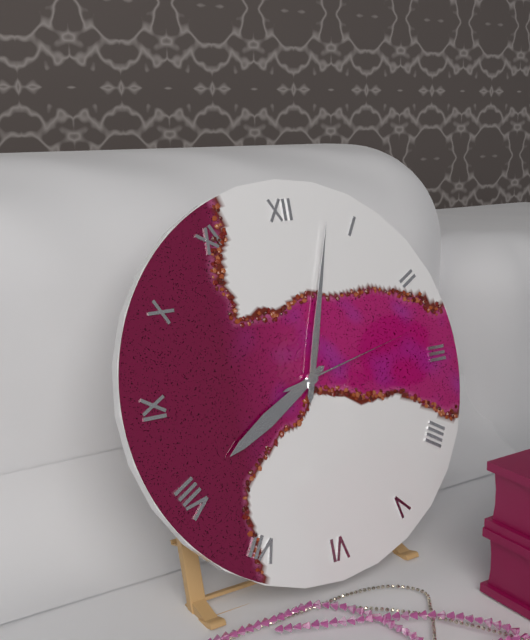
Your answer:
8:03:13
